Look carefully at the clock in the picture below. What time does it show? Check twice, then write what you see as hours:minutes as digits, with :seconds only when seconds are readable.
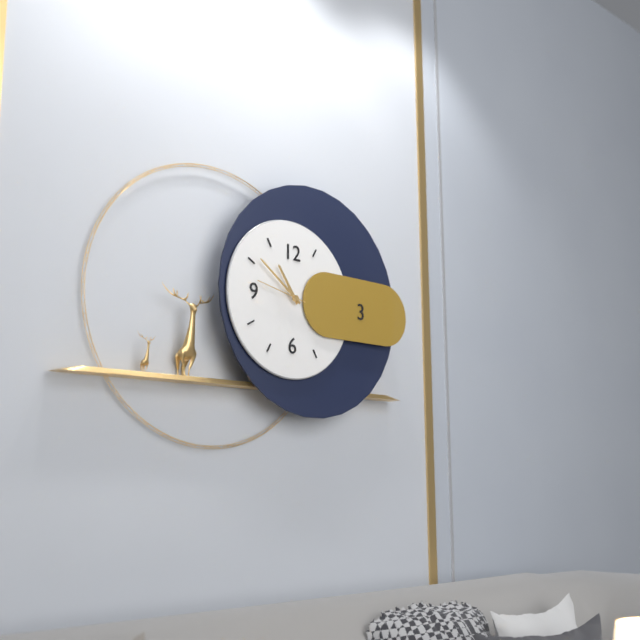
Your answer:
10:51:47
